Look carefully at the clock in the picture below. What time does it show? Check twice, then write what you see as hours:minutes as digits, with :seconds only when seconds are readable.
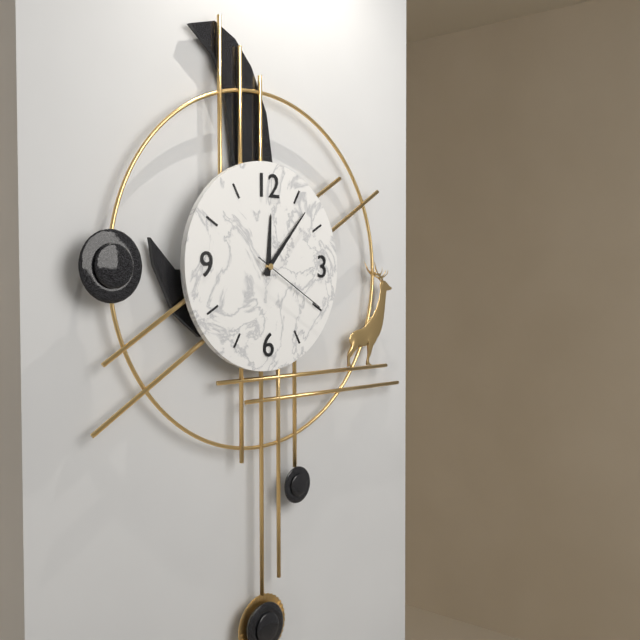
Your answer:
12:07:20
